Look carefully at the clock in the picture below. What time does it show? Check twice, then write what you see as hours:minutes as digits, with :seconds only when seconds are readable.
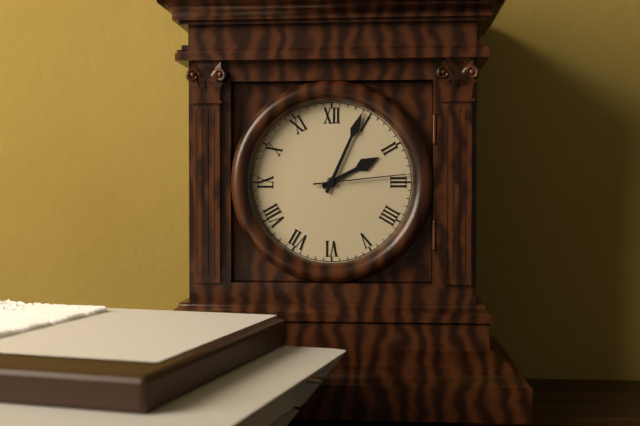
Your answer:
2:04:14
